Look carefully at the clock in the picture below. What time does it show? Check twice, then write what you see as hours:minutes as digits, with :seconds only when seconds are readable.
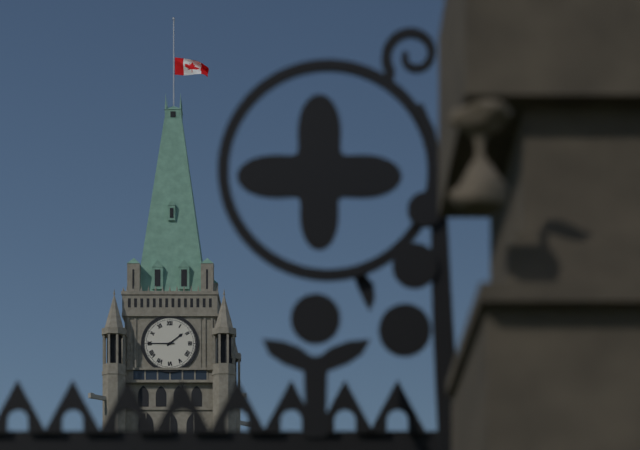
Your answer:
1:45
